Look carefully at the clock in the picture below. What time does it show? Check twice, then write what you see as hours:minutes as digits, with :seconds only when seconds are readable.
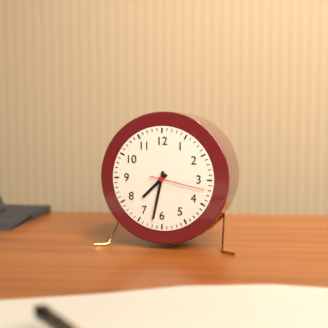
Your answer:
7:32:17
